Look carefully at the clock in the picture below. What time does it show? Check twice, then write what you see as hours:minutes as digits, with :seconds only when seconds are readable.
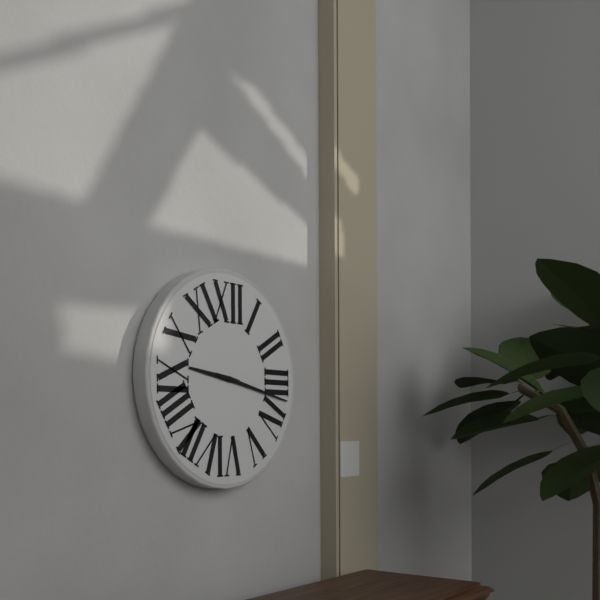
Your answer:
9:17
